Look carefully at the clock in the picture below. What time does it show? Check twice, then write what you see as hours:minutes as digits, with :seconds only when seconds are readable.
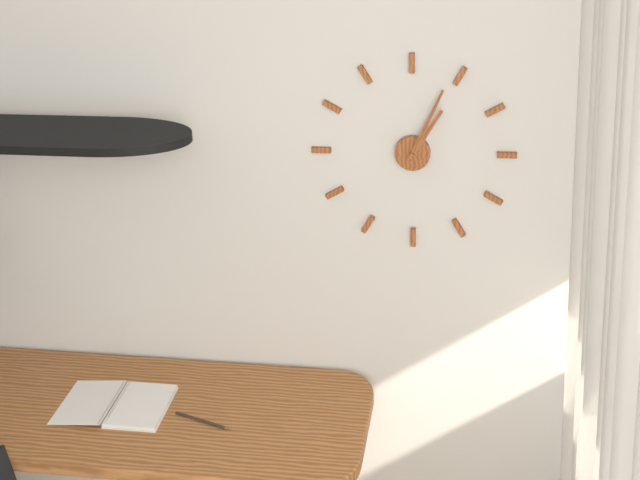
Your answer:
1:04
